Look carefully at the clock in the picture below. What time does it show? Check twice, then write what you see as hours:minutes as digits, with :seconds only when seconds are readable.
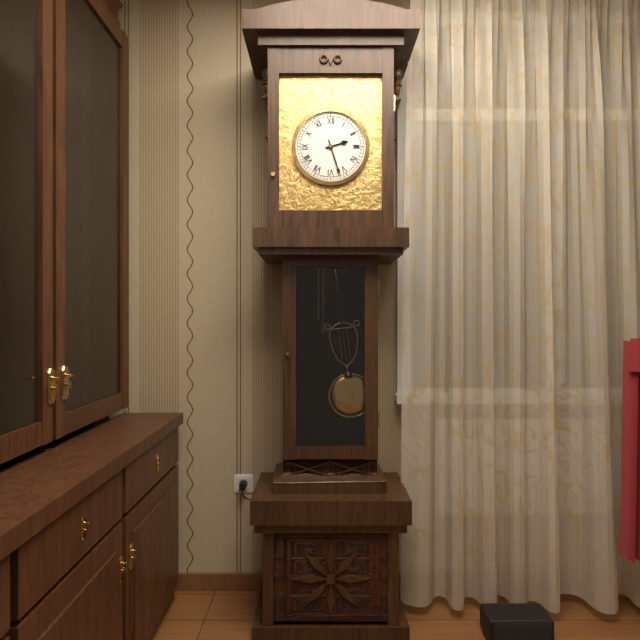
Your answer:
2:27
